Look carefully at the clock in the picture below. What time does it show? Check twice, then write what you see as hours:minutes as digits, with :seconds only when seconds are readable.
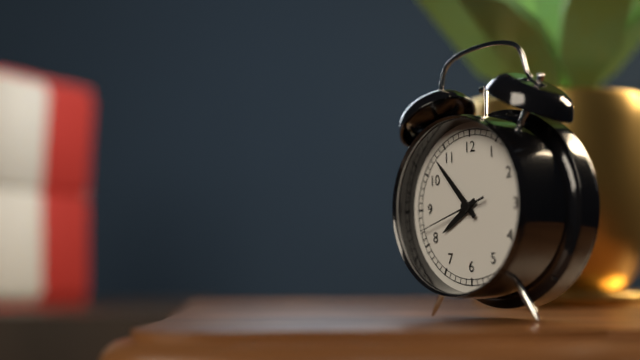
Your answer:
7:53:42
